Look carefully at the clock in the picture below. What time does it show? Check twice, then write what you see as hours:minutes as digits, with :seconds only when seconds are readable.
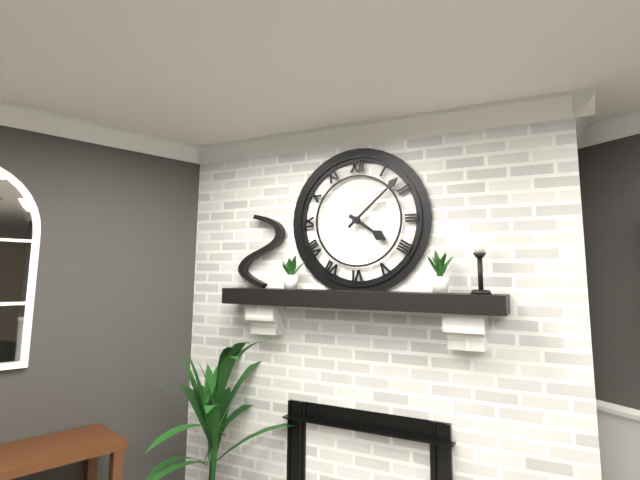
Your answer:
4:08
